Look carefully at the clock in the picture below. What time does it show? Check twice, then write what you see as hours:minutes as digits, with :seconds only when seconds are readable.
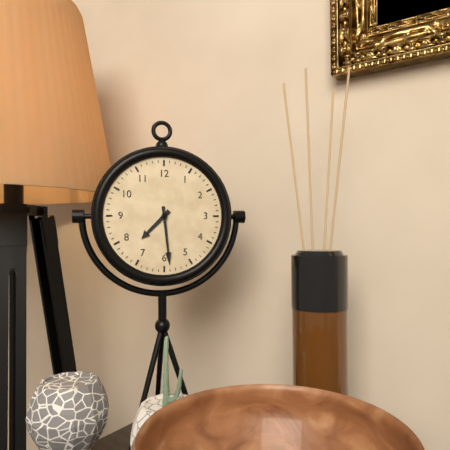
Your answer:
7:29
